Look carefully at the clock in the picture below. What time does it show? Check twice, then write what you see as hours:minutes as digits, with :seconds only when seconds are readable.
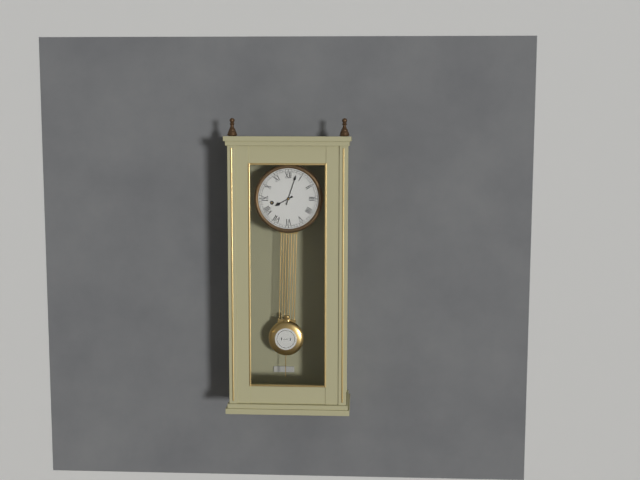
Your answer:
8:03
